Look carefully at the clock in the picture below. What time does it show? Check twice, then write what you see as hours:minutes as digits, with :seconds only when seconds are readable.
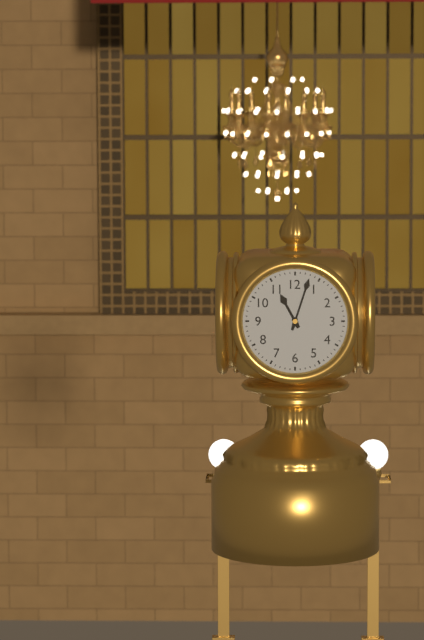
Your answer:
11:03
